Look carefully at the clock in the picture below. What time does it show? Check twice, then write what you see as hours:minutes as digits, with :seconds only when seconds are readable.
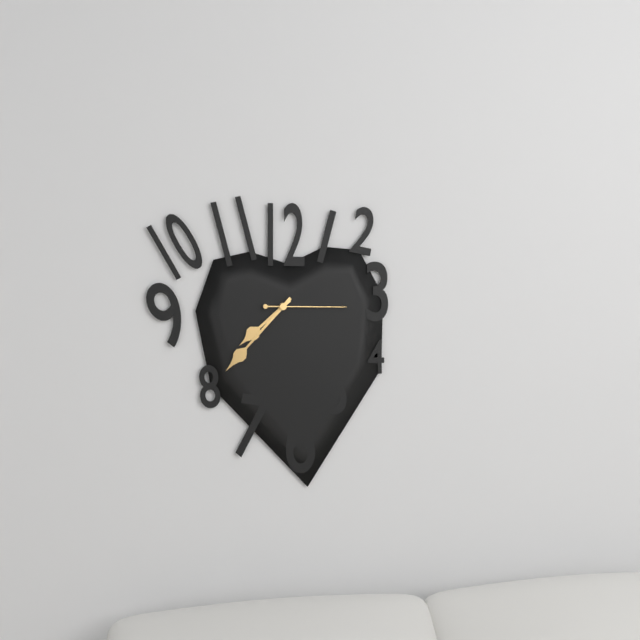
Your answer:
7:37:15
